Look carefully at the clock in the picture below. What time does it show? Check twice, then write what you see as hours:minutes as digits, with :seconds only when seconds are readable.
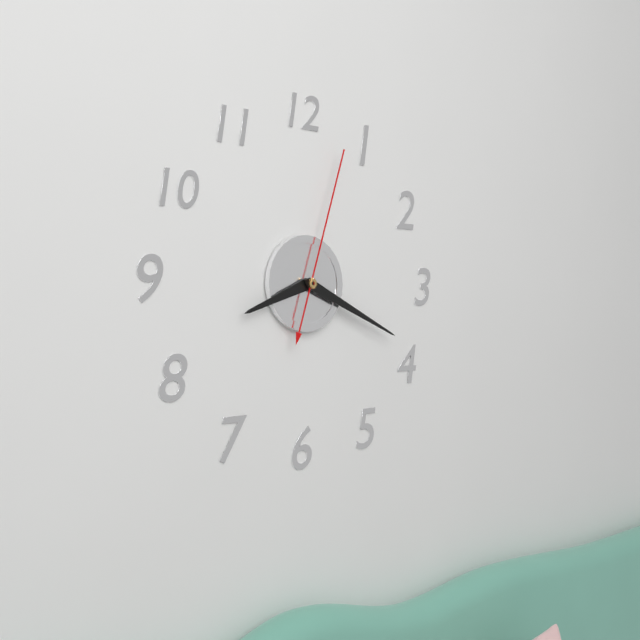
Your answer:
8:19:03
